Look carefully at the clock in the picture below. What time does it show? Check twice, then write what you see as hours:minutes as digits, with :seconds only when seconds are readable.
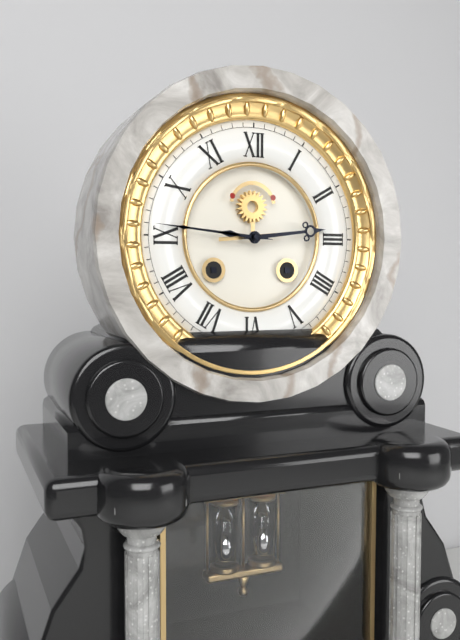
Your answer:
2:46
